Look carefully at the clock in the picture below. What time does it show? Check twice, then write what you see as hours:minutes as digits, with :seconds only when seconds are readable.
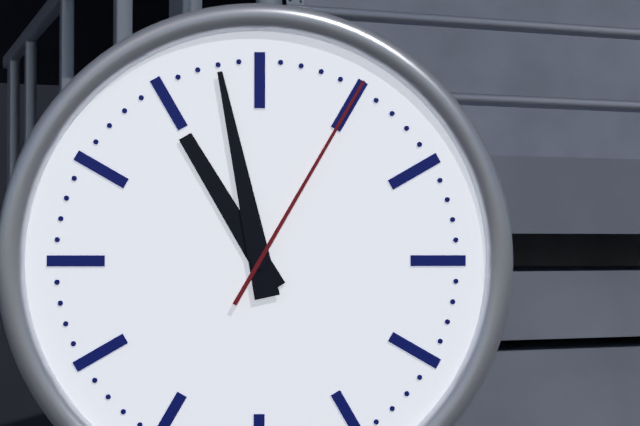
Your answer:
10:58:05
